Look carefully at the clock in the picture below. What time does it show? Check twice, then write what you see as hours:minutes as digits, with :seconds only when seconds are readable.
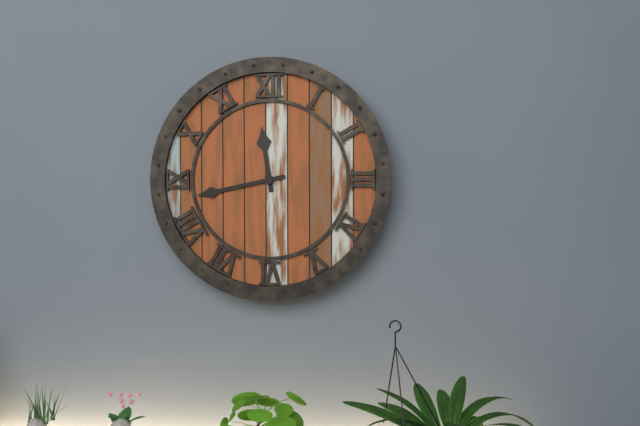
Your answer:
11:43
